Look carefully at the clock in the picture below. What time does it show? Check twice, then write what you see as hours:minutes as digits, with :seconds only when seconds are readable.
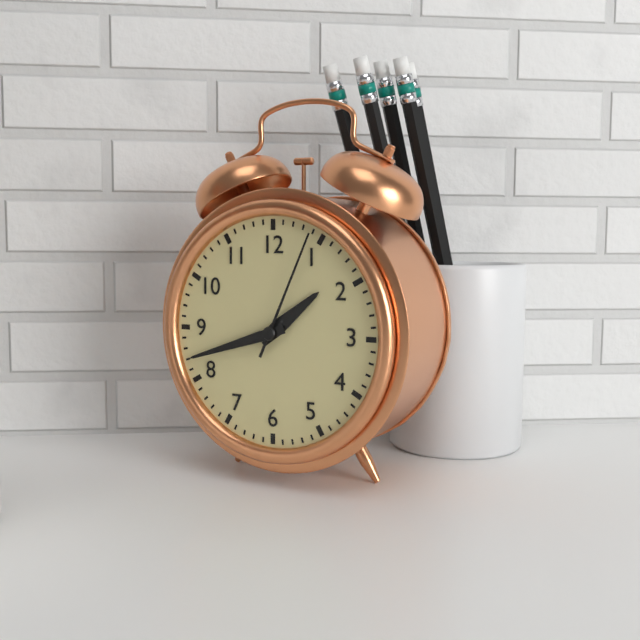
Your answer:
1:42:04
